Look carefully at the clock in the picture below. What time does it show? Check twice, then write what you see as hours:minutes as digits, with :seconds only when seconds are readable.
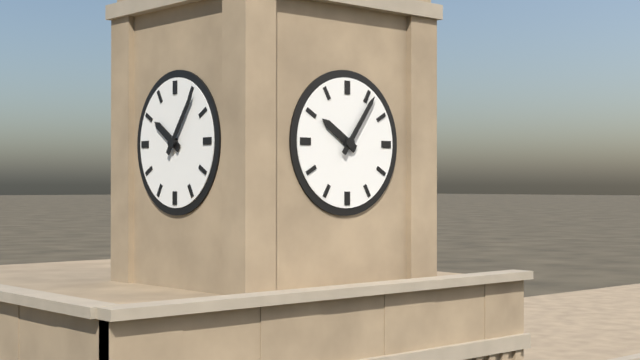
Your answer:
10:06
